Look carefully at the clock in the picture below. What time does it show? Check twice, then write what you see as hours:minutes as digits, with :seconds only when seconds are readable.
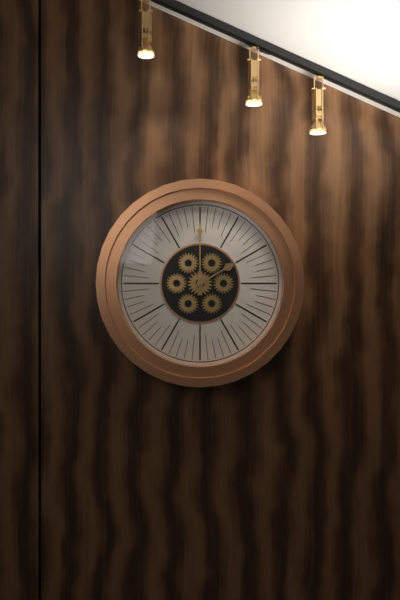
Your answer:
2:00
